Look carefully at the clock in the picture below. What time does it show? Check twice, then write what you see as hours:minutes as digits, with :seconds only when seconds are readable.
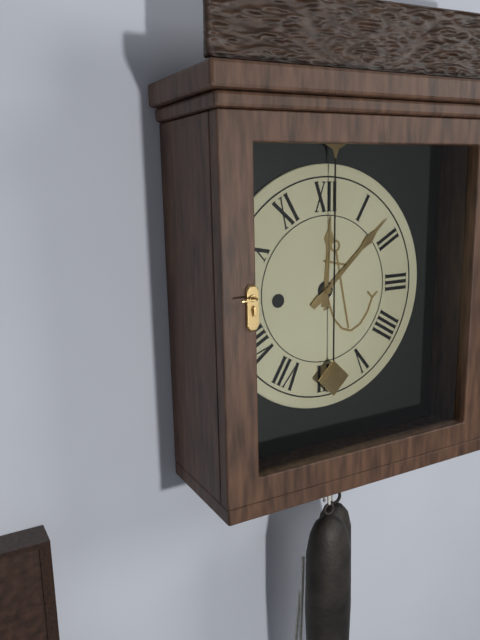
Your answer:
12:08
